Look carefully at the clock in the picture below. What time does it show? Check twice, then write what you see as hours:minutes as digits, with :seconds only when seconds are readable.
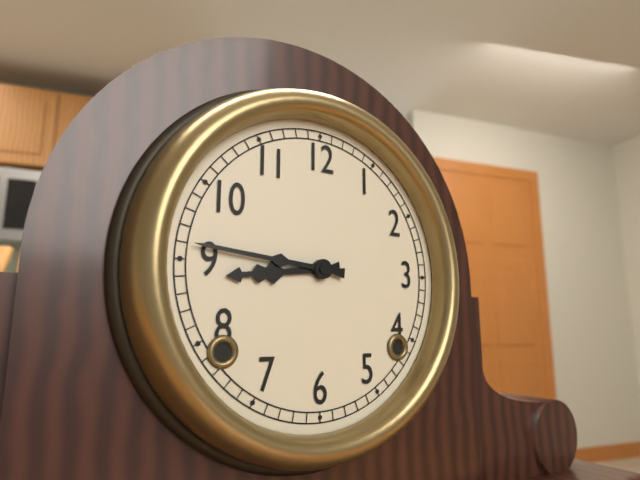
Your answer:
8:46
